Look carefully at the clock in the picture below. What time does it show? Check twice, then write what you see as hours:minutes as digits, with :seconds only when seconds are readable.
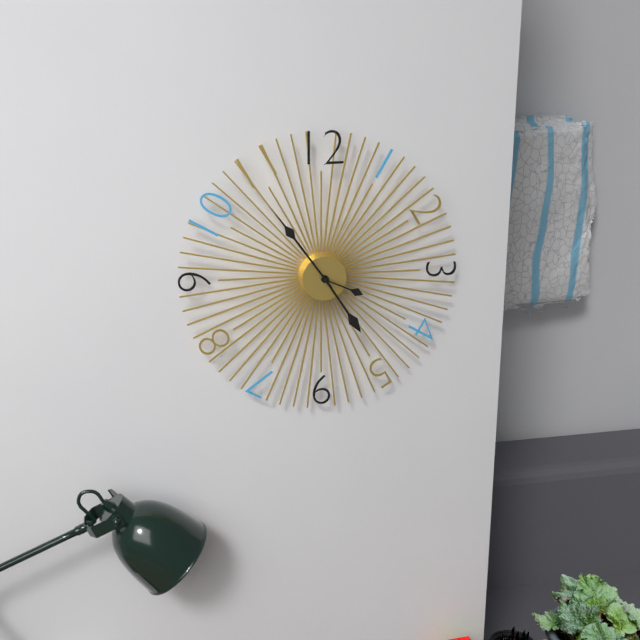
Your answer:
4:54:19
